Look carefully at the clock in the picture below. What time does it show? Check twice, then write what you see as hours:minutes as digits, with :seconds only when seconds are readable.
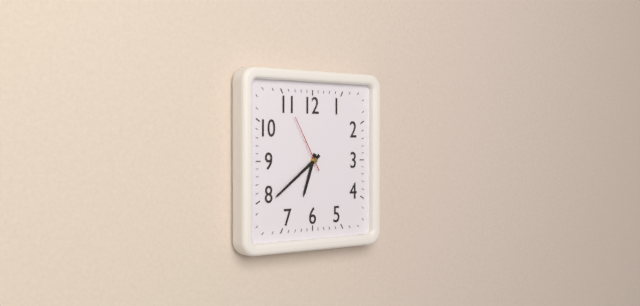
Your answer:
6:39:55
